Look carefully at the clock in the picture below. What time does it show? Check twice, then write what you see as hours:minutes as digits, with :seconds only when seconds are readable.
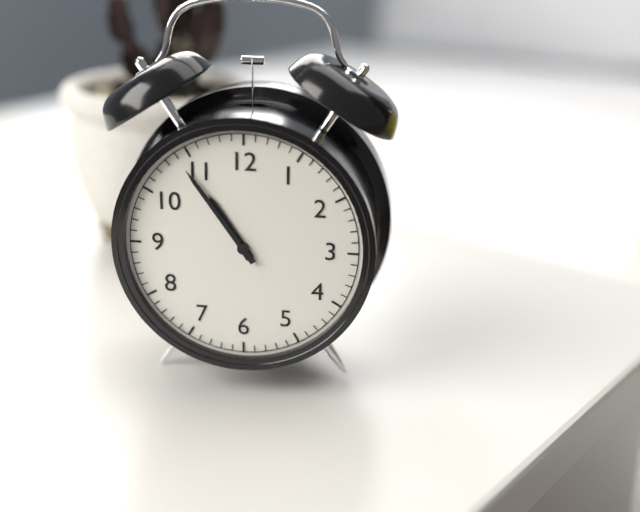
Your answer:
10:54
